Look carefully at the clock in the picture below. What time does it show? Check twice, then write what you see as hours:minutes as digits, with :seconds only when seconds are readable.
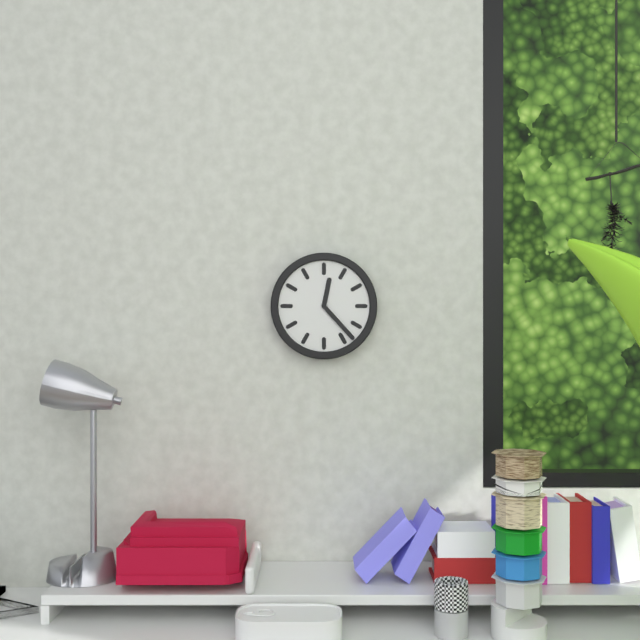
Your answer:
12:23
